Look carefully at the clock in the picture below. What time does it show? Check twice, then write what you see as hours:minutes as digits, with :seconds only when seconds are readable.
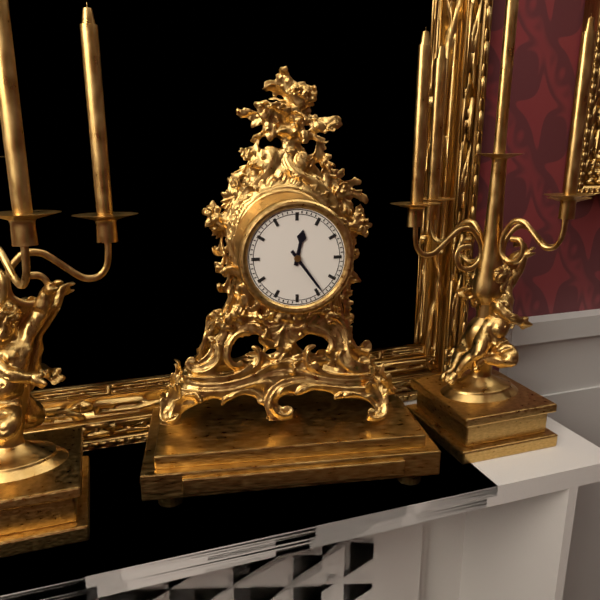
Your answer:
12:24
